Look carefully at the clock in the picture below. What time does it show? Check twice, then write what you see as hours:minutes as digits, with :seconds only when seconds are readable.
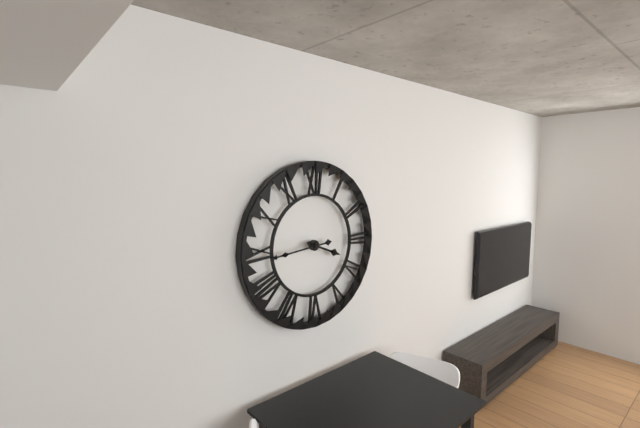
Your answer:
3:44
